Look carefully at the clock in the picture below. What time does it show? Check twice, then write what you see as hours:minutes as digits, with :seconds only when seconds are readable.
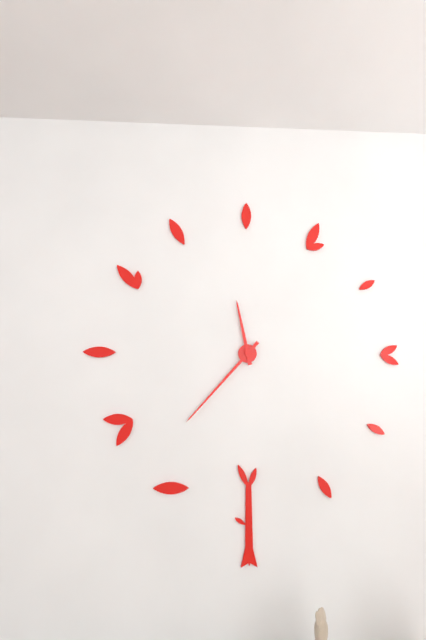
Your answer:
11:37
